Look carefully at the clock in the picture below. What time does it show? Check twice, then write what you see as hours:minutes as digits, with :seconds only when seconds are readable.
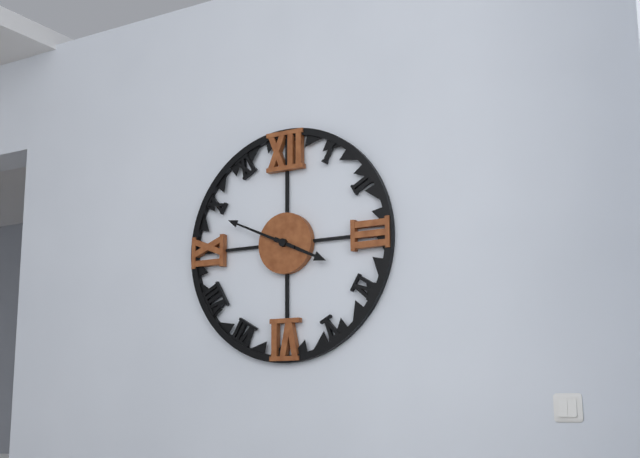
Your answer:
3:49
